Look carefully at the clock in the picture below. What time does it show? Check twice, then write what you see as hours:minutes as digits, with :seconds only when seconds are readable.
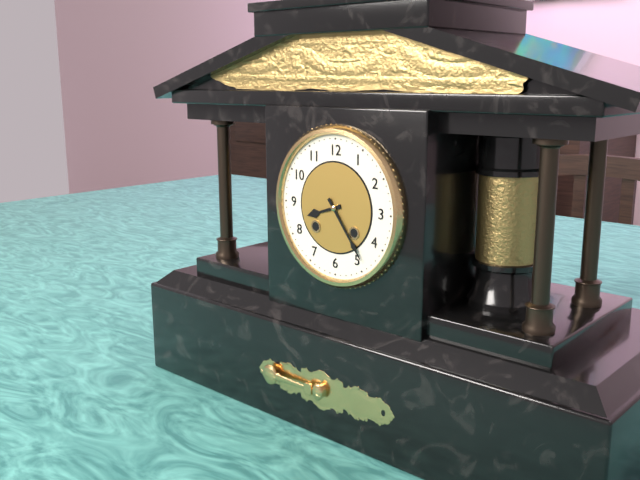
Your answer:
8:24
